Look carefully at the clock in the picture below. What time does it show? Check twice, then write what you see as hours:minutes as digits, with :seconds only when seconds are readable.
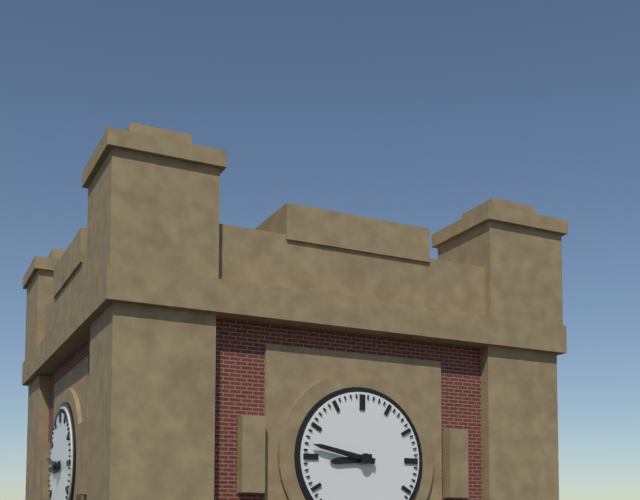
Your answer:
8:47
